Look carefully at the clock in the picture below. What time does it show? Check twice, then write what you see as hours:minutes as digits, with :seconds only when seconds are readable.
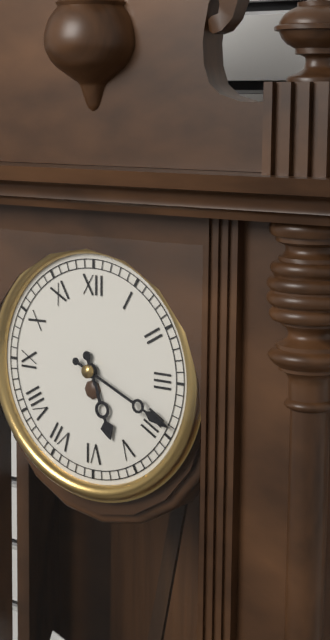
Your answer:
5:19
